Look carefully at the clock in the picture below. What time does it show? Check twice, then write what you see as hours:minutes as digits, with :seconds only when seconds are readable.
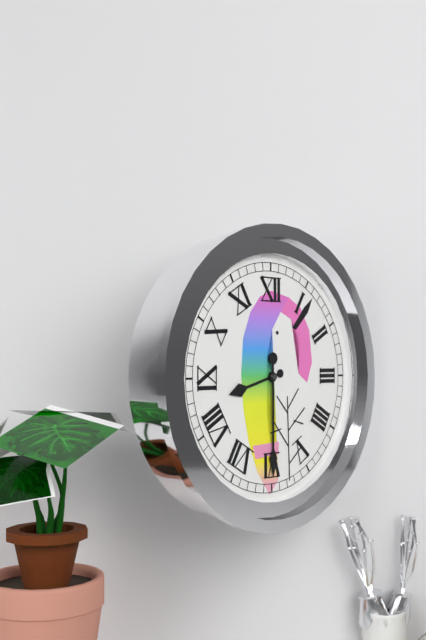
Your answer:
8:30
